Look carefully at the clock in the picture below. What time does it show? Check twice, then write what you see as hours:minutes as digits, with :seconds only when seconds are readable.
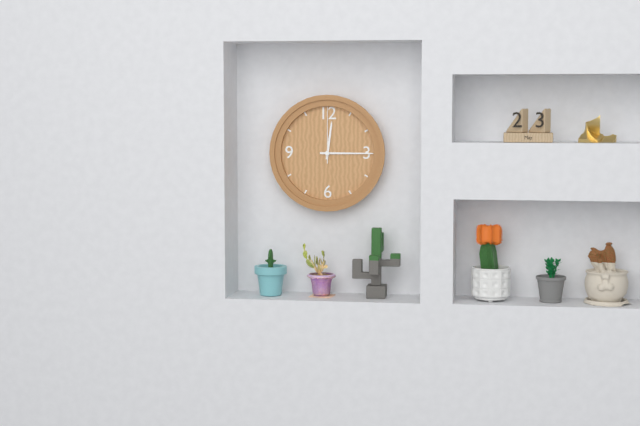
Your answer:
12:15:00
